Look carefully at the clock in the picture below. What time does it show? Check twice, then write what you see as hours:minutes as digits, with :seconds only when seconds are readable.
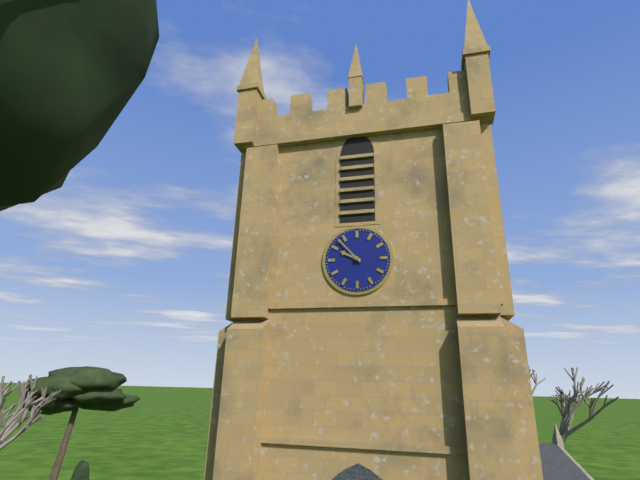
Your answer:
9:53
